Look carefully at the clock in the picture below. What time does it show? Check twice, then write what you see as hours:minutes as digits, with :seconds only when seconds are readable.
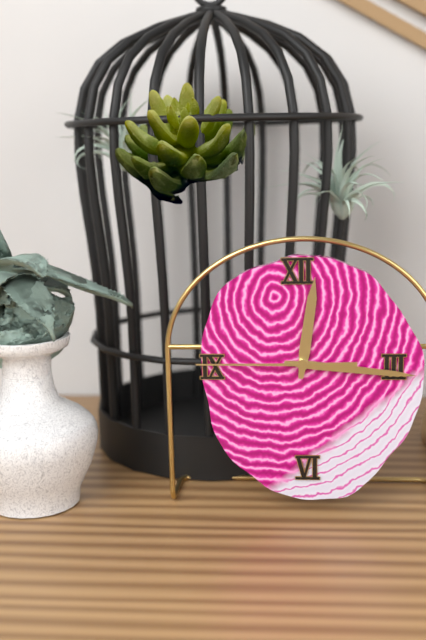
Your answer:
12:16:45
